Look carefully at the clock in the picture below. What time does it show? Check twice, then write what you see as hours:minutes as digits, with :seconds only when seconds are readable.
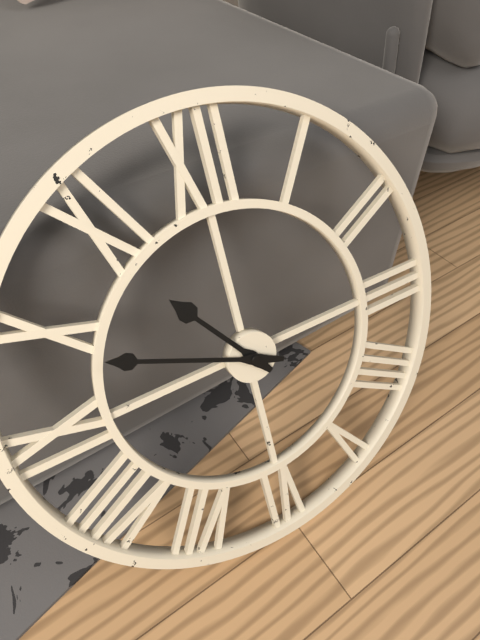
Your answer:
10:49
